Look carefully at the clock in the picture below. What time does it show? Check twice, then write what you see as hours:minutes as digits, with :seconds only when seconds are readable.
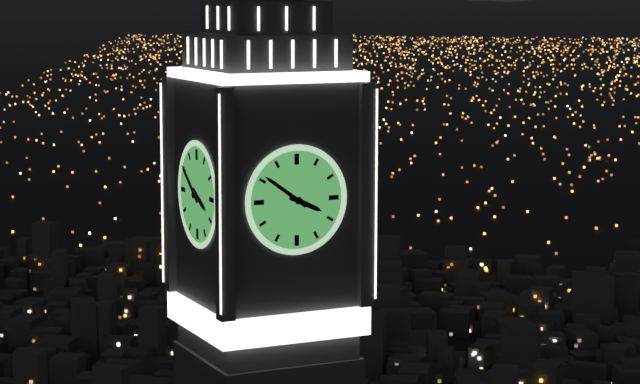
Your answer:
3:51
